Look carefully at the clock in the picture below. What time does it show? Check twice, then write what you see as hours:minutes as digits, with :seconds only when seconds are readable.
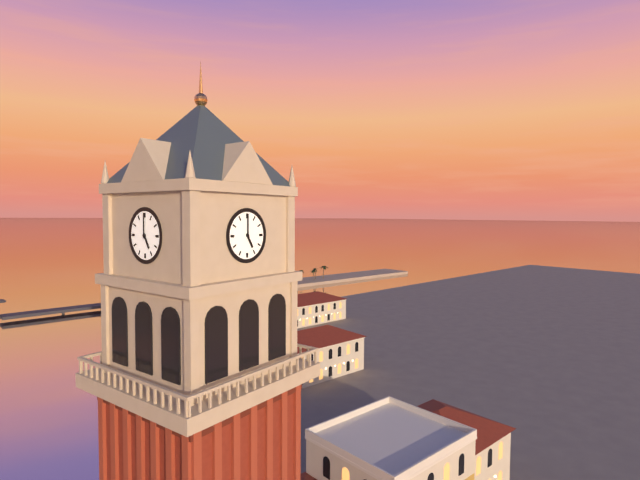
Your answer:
5:00
